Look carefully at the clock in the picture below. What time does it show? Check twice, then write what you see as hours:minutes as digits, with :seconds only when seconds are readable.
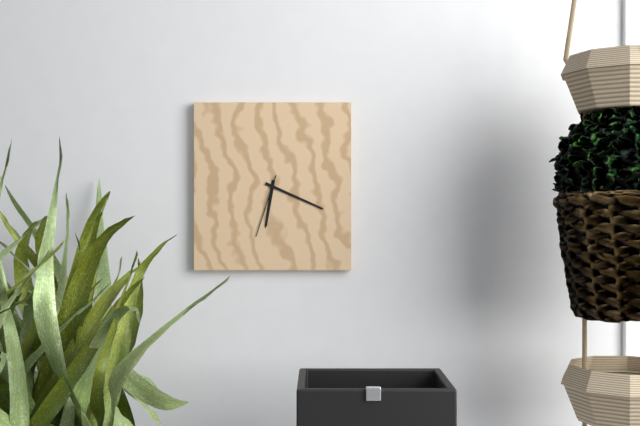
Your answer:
6:19:33
